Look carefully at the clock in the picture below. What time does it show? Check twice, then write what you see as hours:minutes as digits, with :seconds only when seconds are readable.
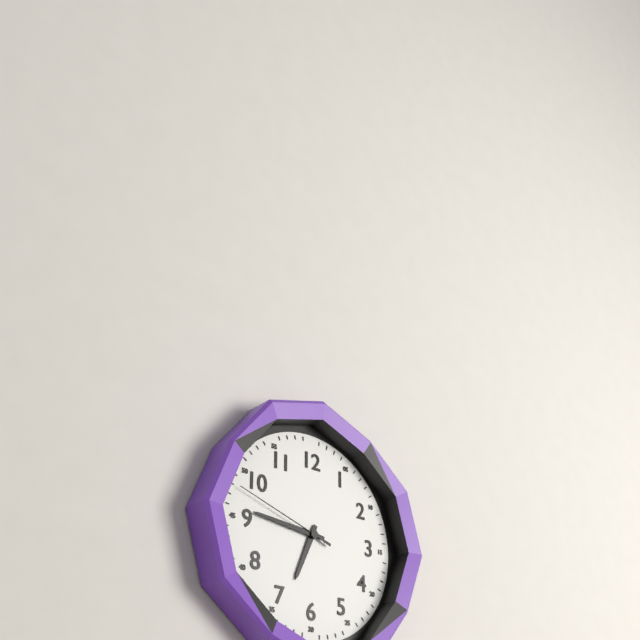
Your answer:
6:46:48
